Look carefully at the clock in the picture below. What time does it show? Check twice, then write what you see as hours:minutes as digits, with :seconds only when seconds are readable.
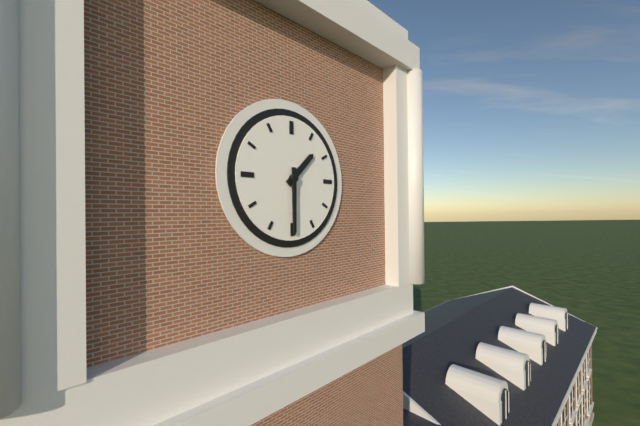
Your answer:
1:30
